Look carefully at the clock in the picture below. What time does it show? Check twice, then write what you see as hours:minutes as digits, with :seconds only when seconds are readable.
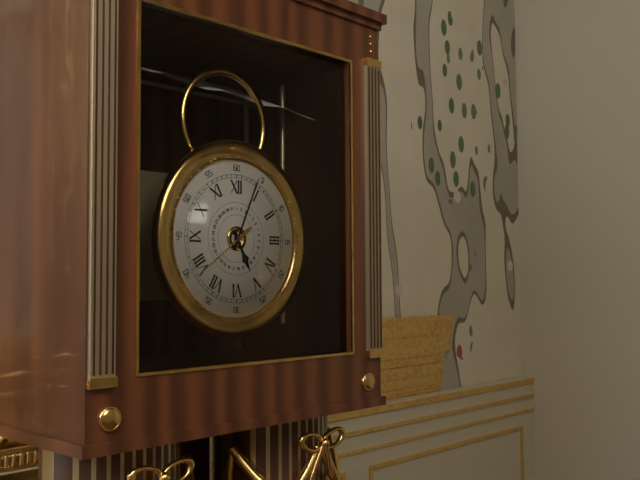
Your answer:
5:04:39
